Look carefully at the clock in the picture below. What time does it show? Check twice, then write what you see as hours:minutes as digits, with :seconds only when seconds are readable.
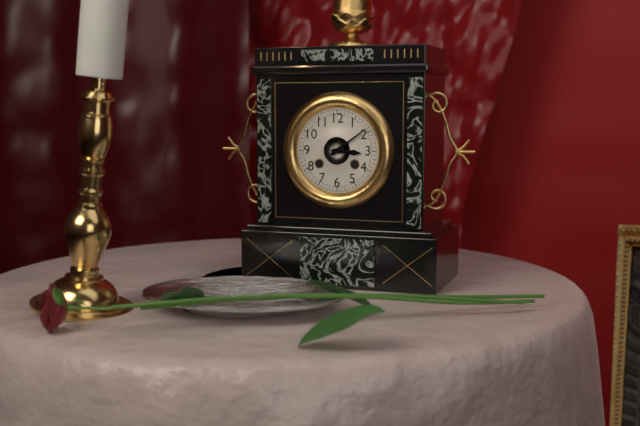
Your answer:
3:09
